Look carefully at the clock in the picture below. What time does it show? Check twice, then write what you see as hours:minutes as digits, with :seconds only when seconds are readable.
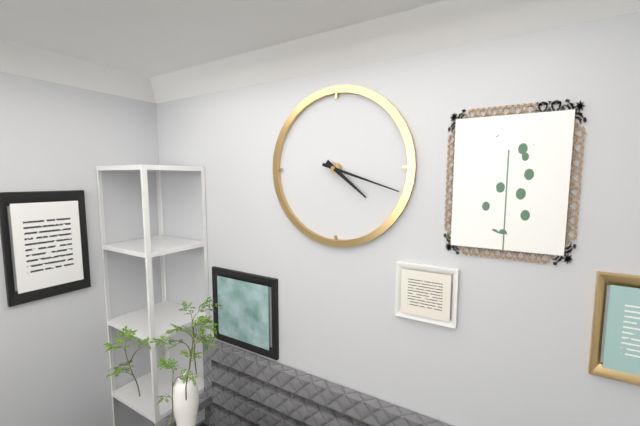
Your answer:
4:18
